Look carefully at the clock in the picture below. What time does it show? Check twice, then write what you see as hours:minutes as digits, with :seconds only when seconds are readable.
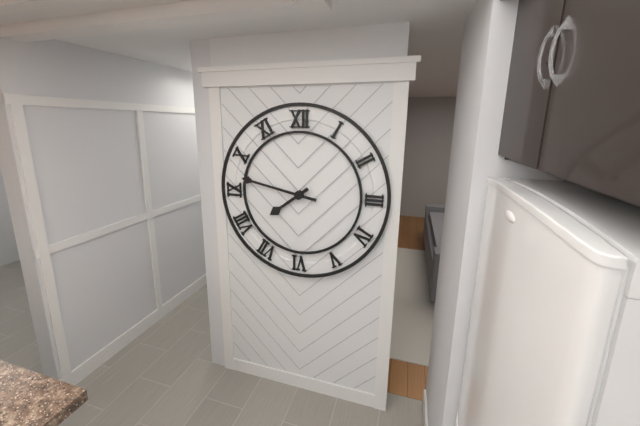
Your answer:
7:47
